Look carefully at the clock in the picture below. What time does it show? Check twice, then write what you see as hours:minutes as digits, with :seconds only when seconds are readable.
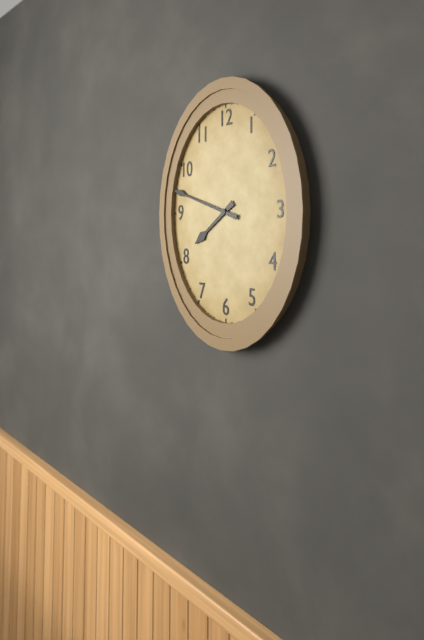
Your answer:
7:48
